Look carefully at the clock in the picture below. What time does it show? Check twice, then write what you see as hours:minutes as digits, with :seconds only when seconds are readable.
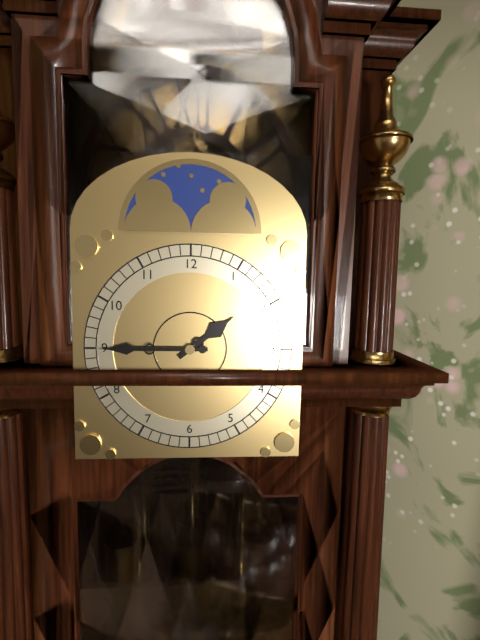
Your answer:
1:45
